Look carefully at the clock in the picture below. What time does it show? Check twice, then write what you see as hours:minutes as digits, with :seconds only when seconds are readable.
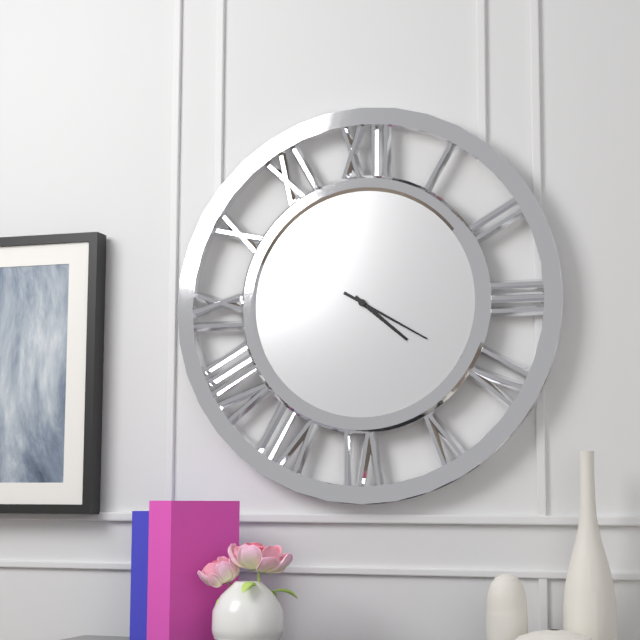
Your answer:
4:20
